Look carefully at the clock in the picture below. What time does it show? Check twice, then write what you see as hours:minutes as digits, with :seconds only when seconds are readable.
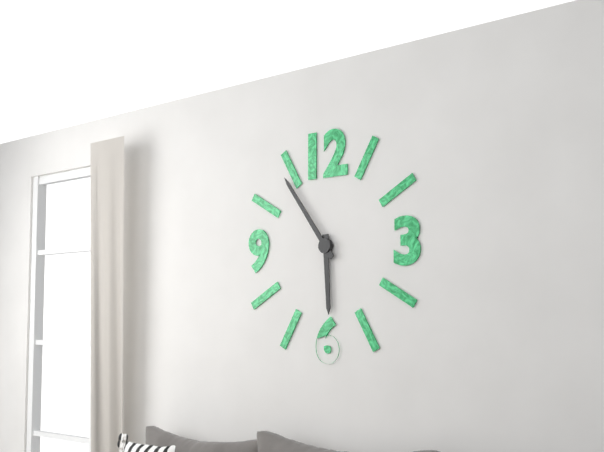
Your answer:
5:54
